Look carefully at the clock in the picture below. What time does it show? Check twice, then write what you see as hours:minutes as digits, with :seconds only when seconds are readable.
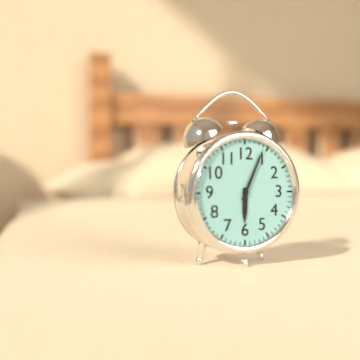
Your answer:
6:04
